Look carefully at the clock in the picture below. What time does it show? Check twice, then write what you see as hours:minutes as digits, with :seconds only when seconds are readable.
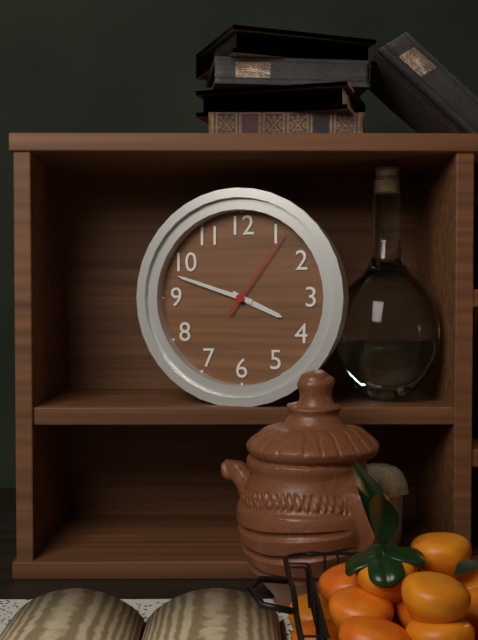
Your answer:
3:48:06
